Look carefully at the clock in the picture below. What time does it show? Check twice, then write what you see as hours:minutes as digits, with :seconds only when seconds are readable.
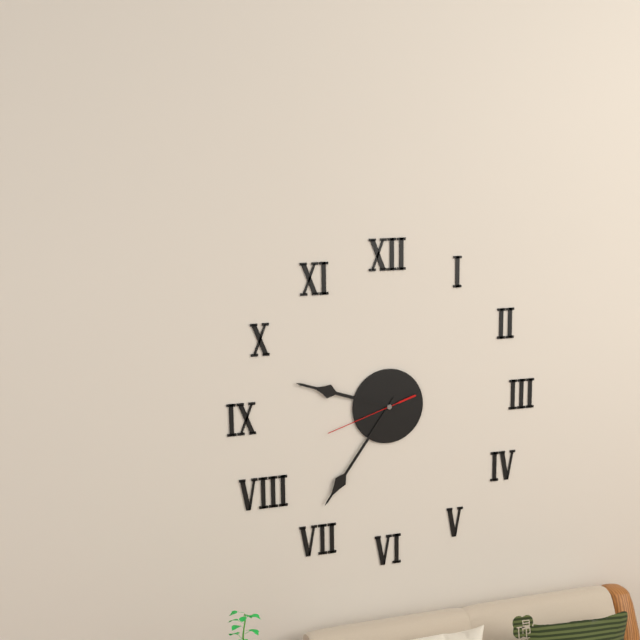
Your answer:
9:36:42
